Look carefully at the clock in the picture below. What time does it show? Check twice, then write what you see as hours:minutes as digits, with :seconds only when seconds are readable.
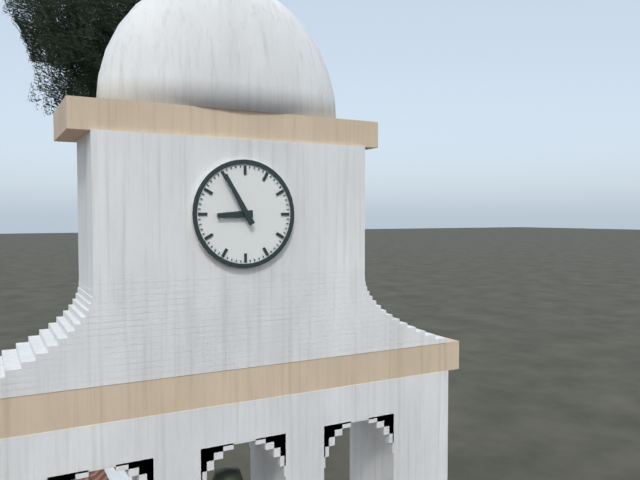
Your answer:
8:55
